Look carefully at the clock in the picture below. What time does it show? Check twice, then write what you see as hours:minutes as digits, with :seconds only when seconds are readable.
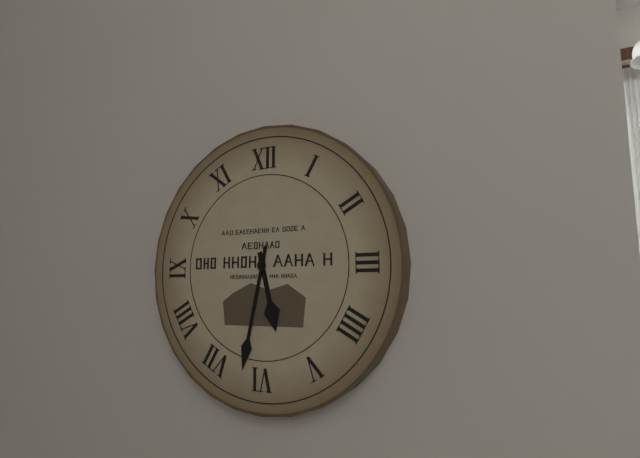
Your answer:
5:32
